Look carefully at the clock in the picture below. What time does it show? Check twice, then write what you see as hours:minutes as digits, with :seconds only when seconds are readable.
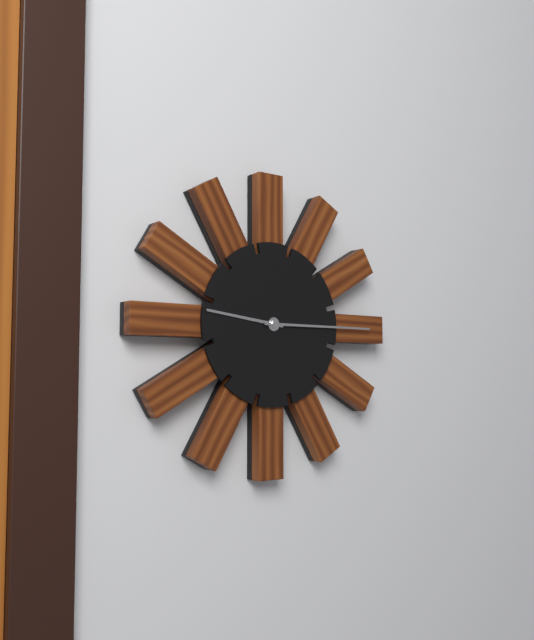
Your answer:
9:15
